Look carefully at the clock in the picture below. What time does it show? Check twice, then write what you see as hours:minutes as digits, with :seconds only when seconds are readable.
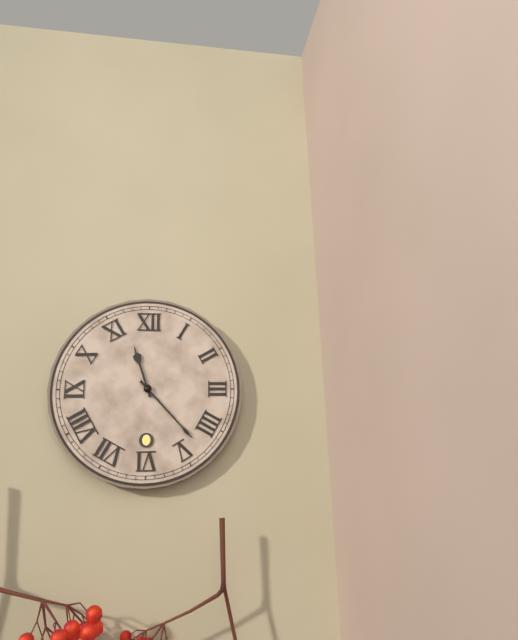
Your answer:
11:23
